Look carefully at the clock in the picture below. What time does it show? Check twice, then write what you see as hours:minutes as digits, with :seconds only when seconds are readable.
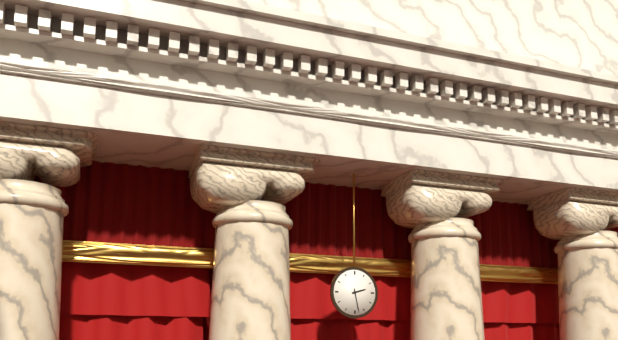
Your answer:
2:28
